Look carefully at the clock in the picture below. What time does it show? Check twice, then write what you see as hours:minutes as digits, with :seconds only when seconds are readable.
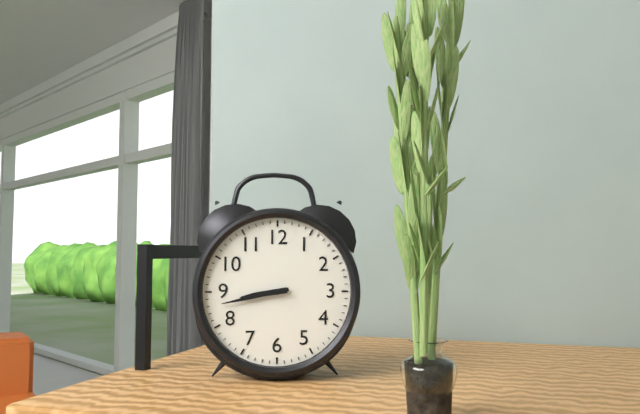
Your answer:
8:43
